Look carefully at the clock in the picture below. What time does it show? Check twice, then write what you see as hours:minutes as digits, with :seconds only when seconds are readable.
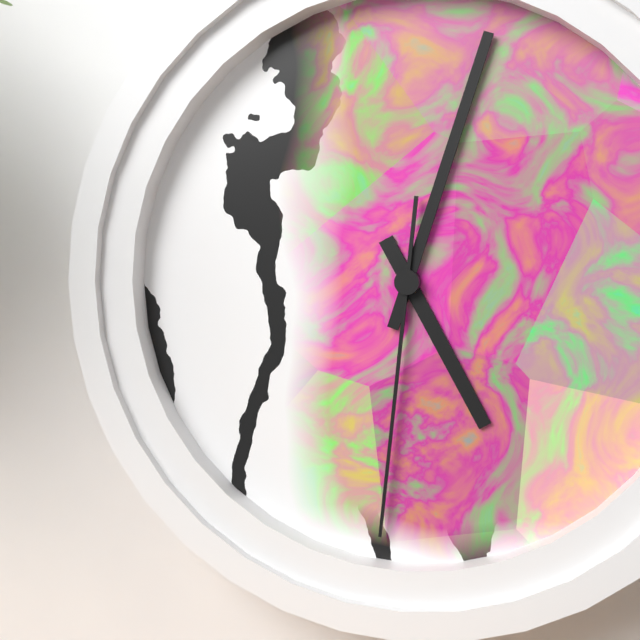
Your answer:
5:03:31
